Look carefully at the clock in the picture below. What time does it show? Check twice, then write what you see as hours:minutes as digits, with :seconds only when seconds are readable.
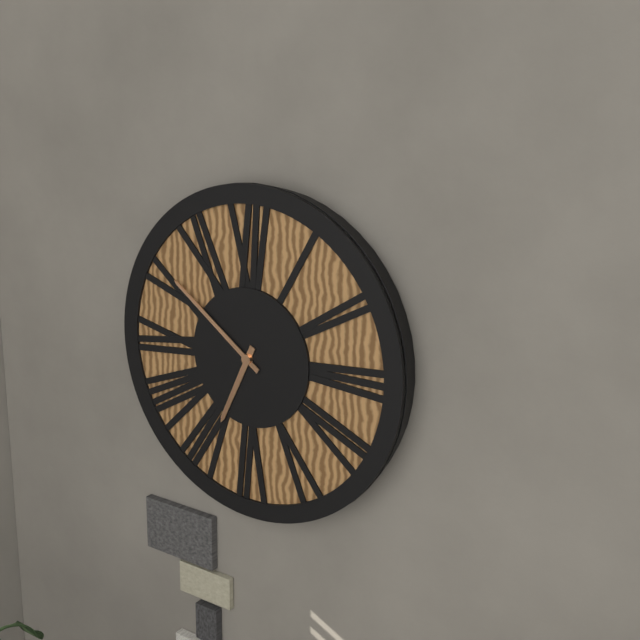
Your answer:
6:51
